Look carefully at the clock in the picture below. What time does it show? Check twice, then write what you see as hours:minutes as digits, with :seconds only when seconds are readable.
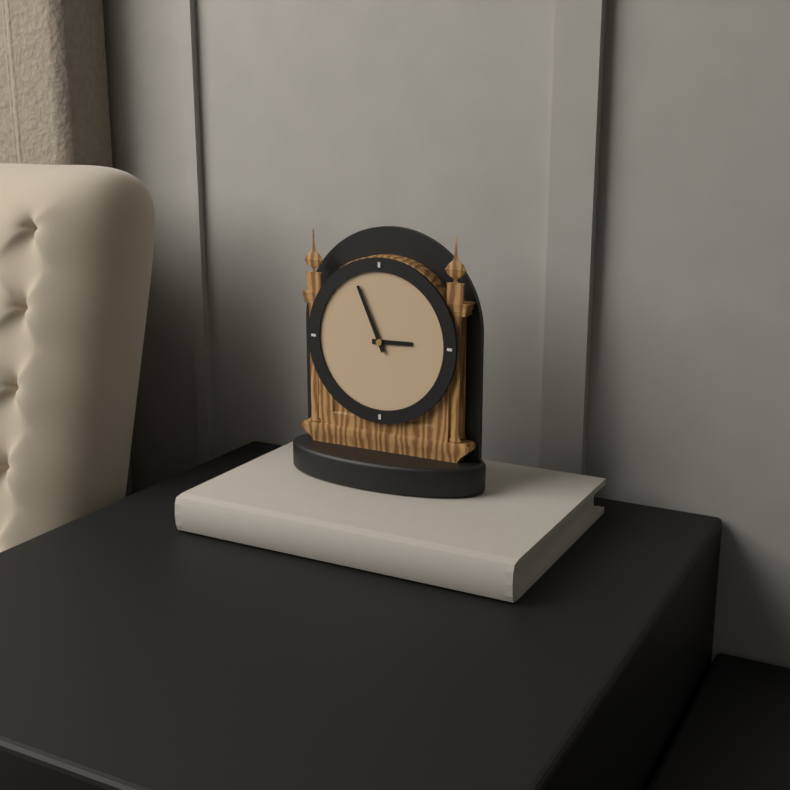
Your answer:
2:56
